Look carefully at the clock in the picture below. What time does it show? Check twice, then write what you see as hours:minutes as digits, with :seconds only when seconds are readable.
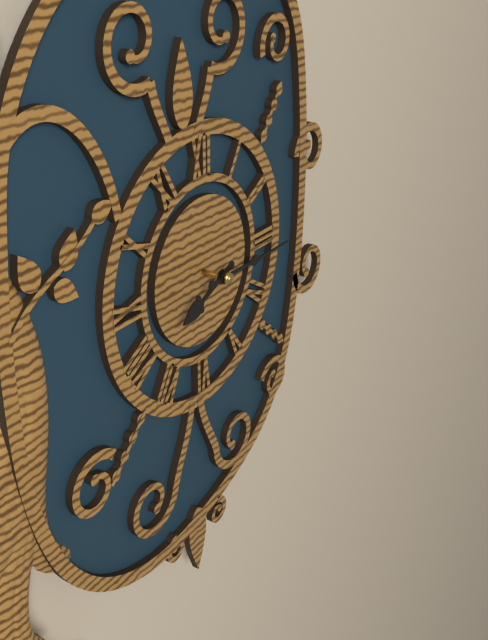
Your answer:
8:15
